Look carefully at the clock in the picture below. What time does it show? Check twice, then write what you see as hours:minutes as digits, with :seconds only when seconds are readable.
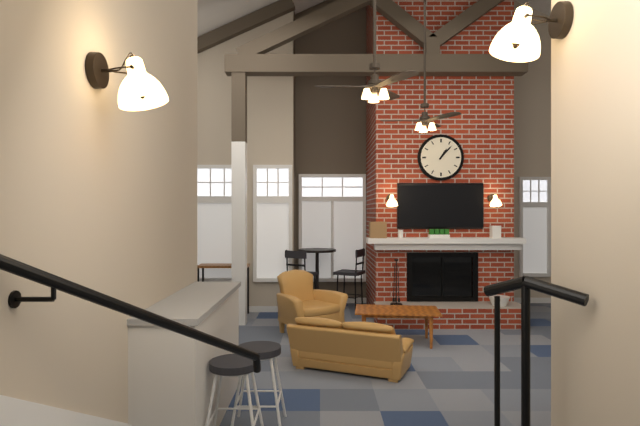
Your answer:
1:07
